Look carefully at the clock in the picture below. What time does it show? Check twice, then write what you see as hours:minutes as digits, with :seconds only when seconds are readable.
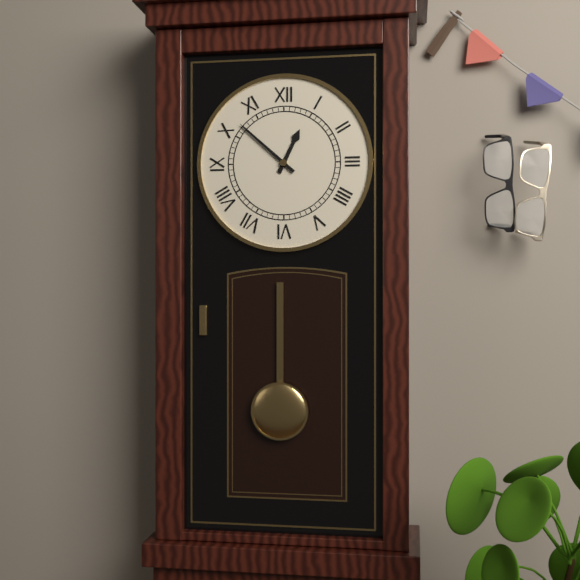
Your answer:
12:52
